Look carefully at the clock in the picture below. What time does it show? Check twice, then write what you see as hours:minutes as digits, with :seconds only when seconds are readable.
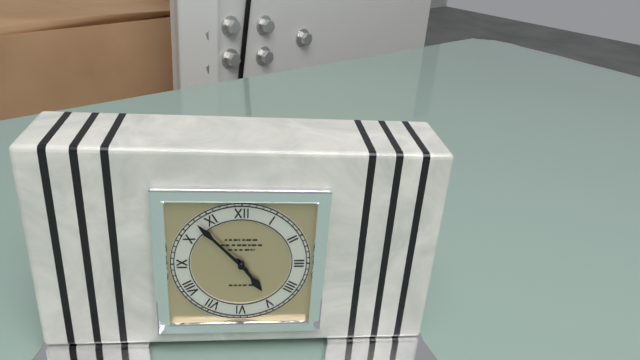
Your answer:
4:53
